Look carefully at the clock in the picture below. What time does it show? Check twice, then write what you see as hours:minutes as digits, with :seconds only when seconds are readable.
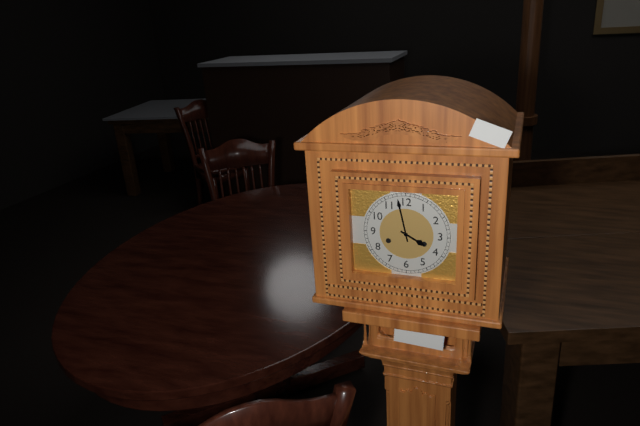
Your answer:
3:58
